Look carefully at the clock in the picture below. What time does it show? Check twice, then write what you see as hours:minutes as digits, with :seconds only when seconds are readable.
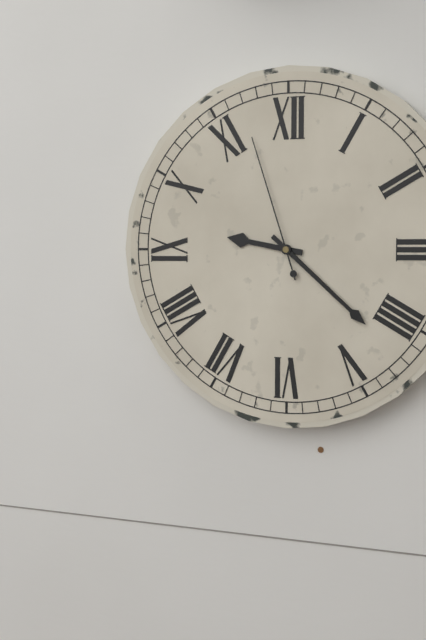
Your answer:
9:22:57
